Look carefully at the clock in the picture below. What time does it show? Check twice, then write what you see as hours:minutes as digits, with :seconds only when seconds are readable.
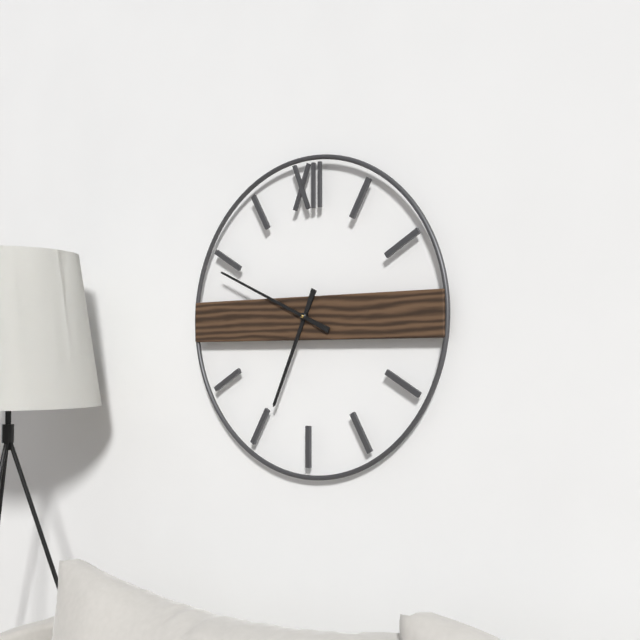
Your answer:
6:49
